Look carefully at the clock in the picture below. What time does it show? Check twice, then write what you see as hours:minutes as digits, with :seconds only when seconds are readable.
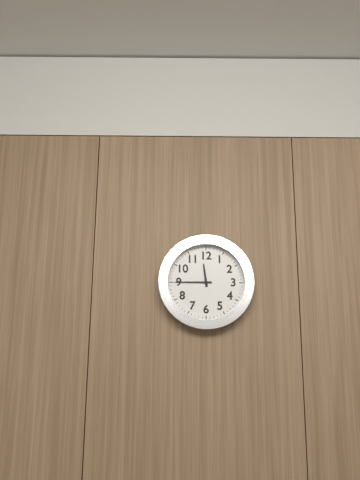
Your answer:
11:45
